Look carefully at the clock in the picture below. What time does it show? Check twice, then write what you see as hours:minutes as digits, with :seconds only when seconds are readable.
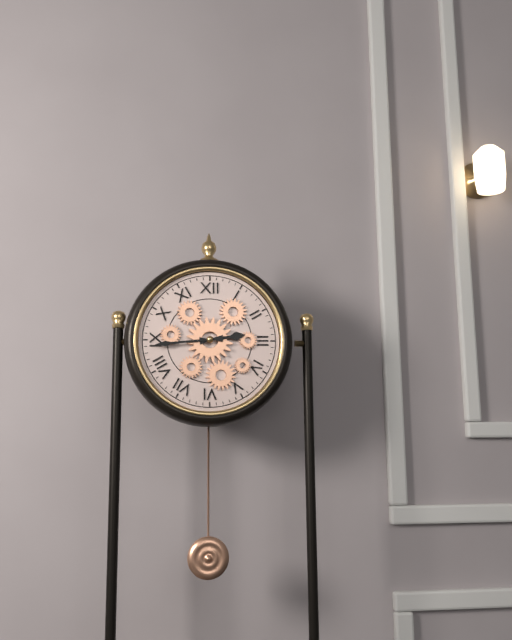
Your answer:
2:44
